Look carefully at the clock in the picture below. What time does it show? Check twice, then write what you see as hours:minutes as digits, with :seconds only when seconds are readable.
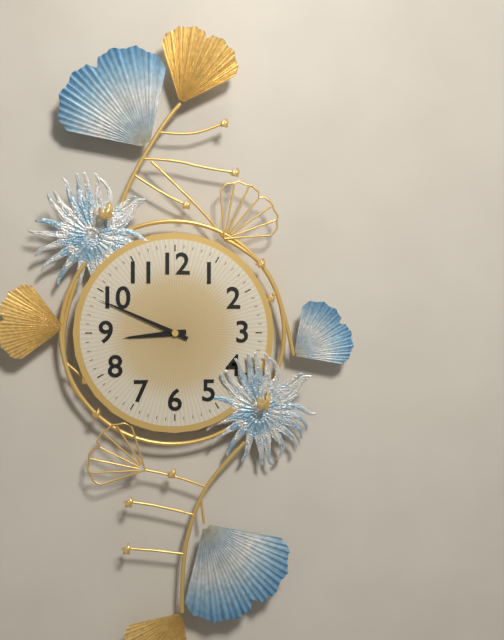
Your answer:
8:49
